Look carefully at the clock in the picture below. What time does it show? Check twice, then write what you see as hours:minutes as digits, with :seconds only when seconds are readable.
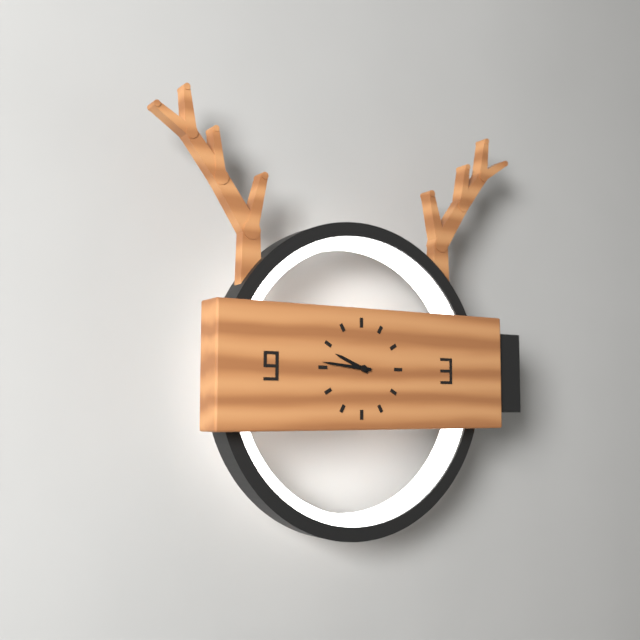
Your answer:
9:46
